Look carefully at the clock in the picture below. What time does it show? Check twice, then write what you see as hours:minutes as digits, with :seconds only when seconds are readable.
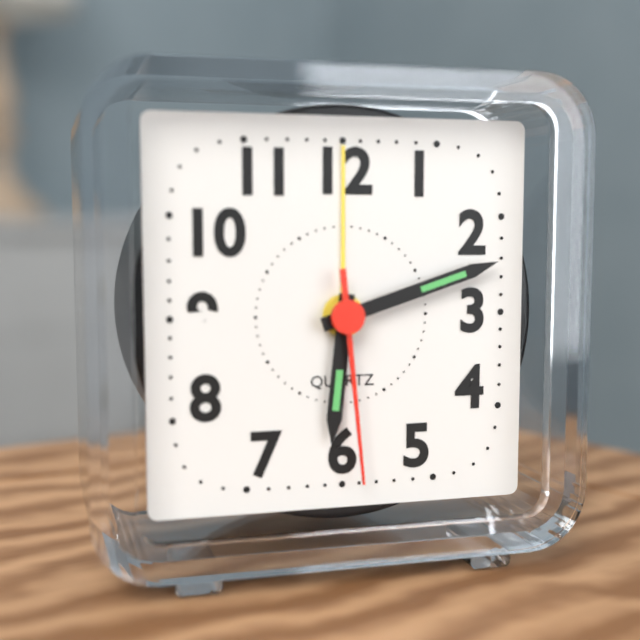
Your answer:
6:12:29
